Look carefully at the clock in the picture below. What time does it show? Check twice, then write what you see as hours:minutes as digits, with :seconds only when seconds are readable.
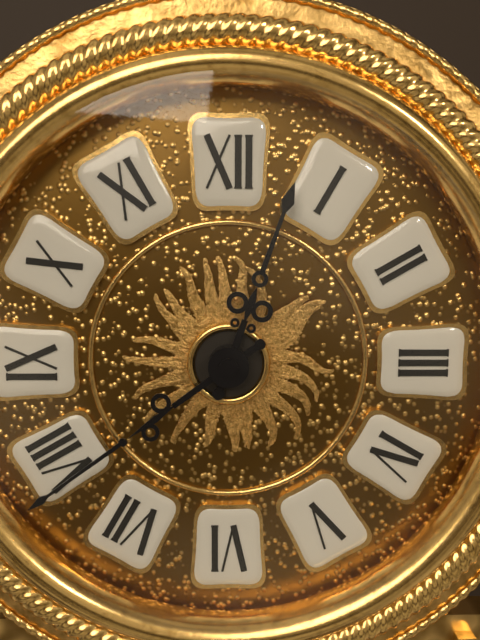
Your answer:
12:39
